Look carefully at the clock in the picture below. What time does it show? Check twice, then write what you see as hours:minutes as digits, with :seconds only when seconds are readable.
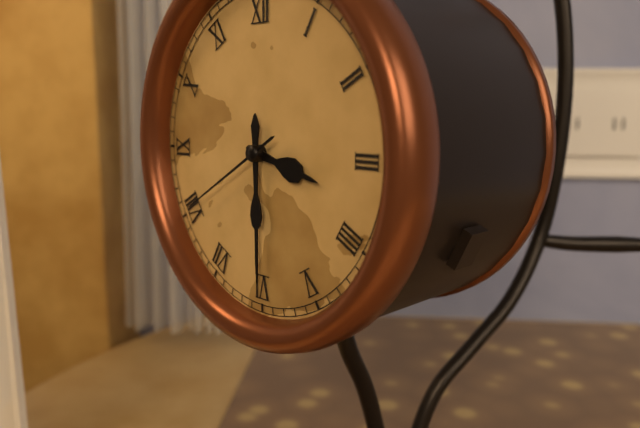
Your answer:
3:30:40
